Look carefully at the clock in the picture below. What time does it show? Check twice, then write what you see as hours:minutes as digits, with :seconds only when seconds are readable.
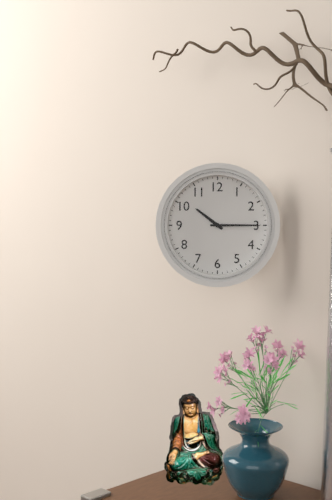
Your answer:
10:15
